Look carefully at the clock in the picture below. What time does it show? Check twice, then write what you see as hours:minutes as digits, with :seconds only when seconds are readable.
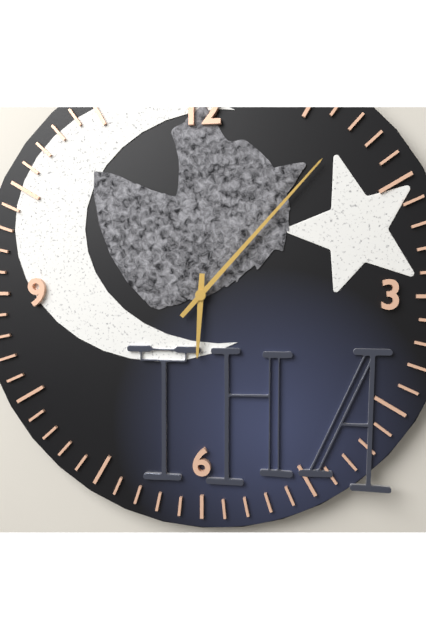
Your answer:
6:07
